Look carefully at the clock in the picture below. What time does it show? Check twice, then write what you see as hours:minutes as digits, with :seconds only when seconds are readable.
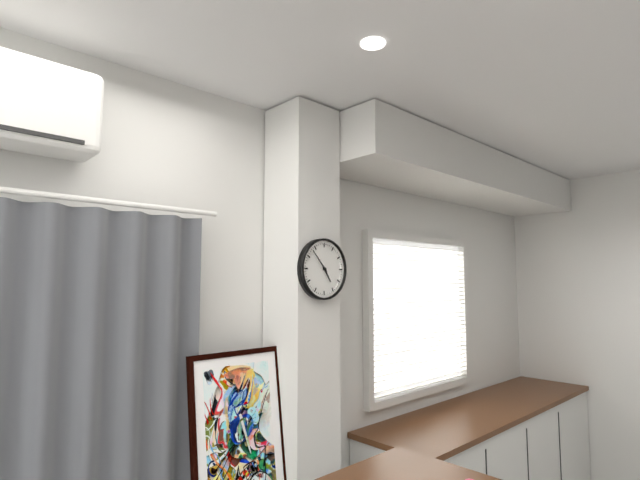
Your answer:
4:53
